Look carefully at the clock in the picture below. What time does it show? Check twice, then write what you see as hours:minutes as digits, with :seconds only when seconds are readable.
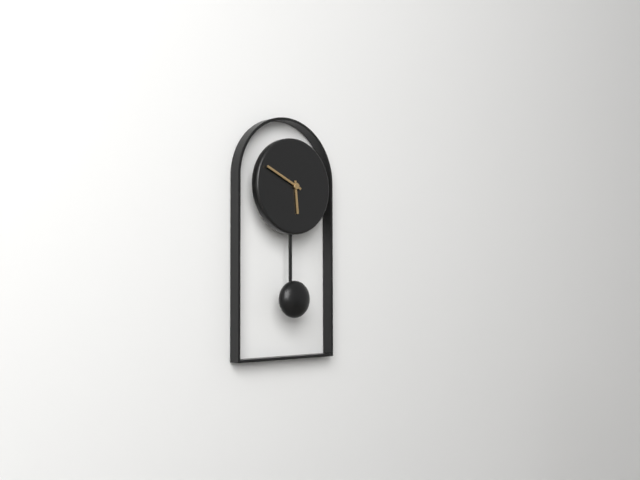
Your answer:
5:49
